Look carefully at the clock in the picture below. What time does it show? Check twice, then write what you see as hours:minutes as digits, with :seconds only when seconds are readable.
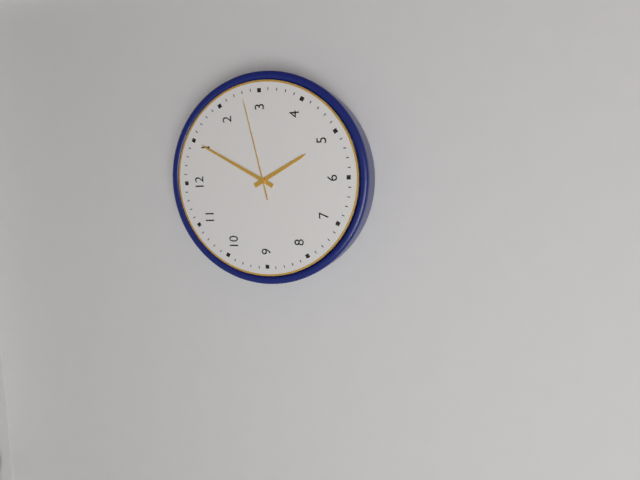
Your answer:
5:05:13
